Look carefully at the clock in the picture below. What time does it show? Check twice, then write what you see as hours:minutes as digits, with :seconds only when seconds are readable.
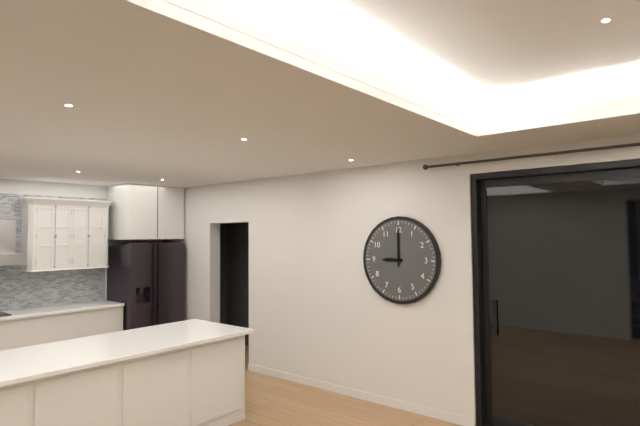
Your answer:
9:00
